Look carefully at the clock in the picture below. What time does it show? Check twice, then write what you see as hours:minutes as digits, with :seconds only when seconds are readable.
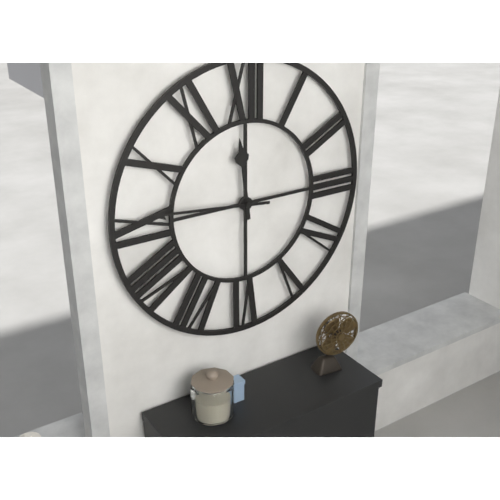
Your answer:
11:46
